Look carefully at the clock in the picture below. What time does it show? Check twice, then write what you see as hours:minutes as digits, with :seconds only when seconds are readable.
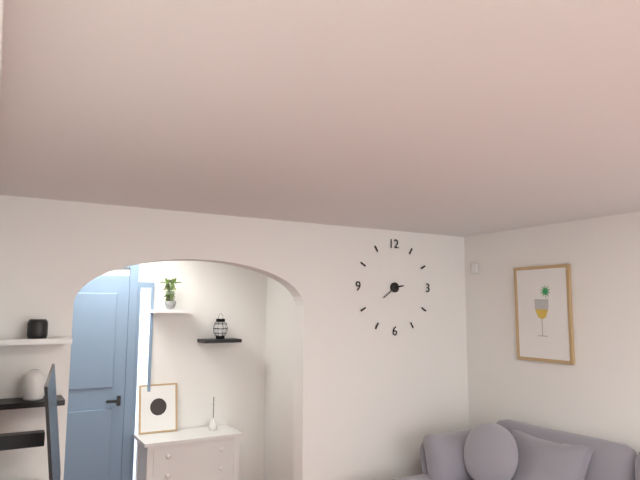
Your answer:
2:39
